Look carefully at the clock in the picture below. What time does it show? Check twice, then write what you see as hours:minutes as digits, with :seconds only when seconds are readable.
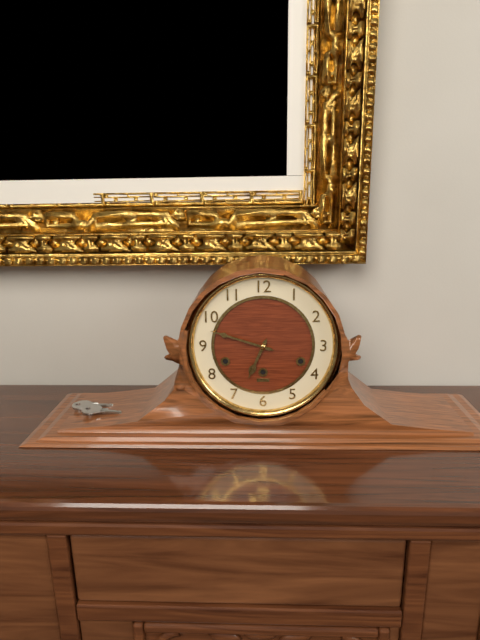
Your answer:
6:48
